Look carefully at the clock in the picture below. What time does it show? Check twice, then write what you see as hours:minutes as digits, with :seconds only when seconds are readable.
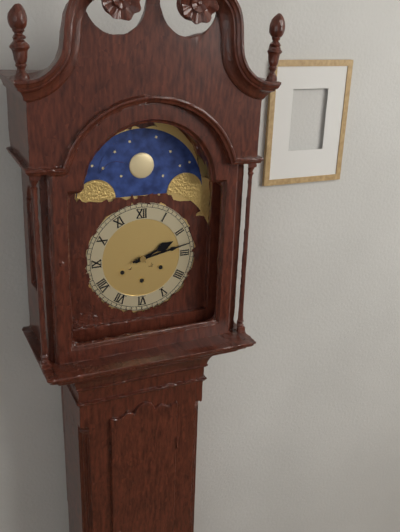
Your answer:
2:13
